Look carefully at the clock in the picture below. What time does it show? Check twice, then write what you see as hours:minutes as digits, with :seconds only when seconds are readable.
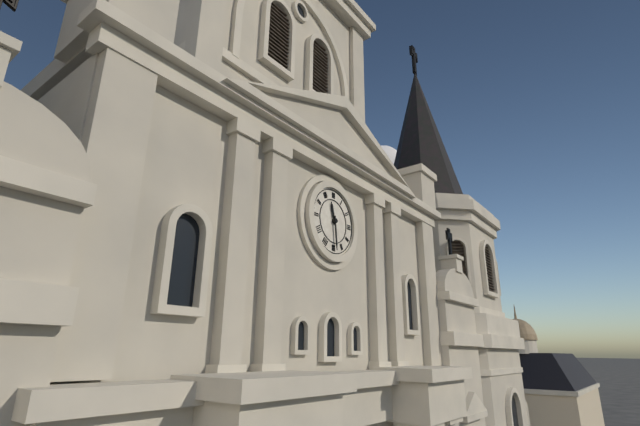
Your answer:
11:29
